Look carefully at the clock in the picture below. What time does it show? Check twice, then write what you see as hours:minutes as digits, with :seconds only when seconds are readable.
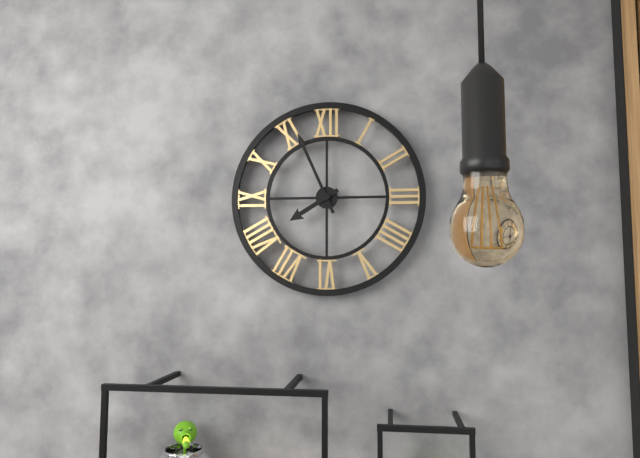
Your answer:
7:56
